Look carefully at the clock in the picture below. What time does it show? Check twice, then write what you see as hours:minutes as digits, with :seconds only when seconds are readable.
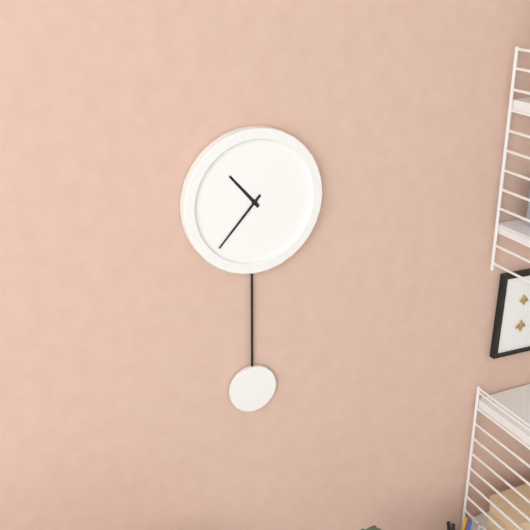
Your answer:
10:37
